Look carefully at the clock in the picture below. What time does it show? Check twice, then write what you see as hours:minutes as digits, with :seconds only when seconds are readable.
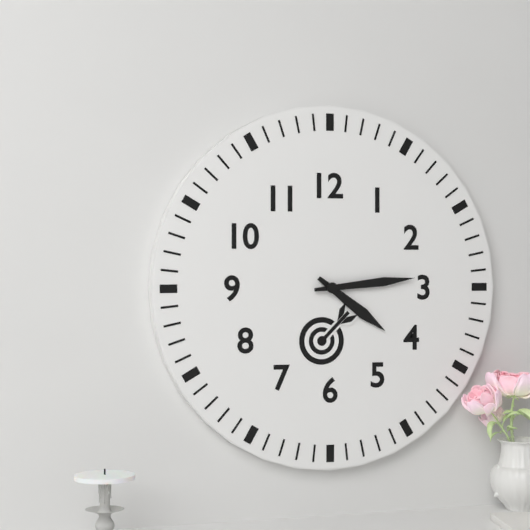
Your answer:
4:14
